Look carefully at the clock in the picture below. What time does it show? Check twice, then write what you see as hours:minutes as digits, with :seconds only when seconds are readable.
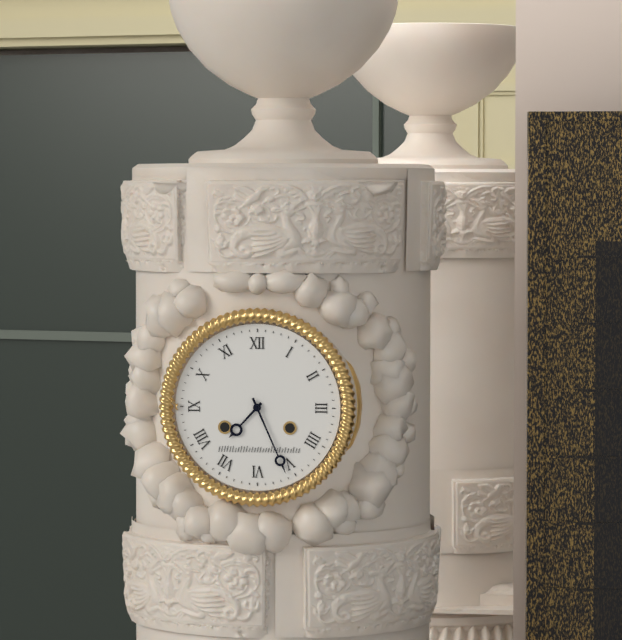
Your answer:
7:26
